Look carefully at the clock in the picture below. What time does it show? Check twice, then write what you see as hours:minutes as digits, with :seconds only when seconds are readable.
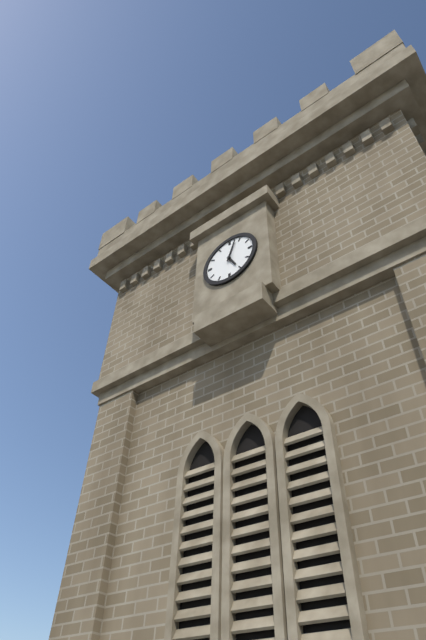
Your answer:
5:03
